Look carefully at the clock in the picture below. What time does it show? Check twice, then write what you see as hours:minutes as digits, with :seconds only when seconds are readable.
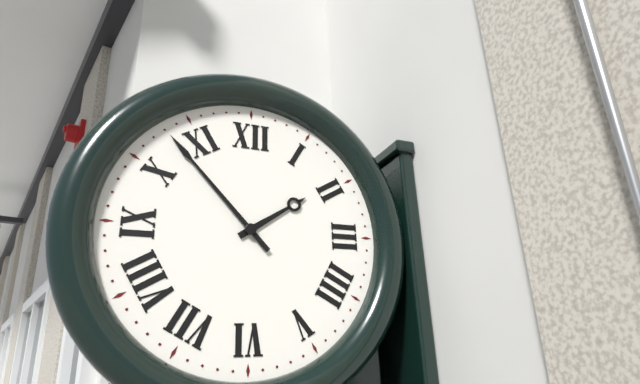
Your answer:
1:53
